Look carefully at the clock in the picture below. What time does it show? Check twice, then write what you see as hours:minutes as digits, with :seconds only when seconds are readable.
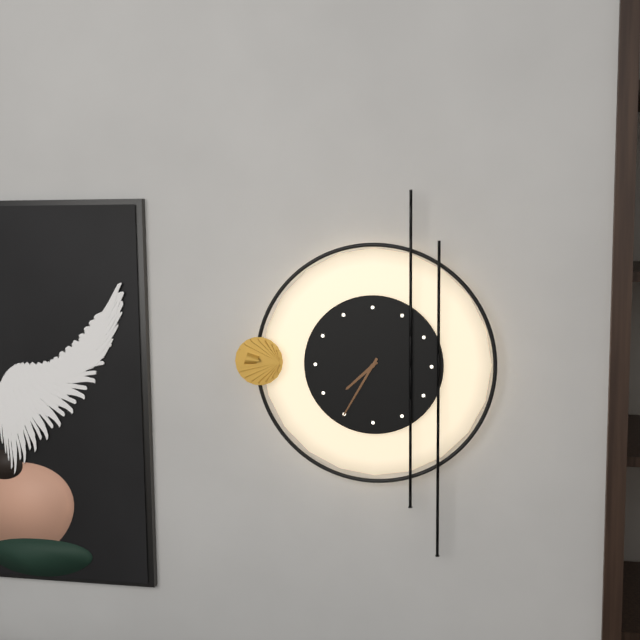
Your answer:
7:35
